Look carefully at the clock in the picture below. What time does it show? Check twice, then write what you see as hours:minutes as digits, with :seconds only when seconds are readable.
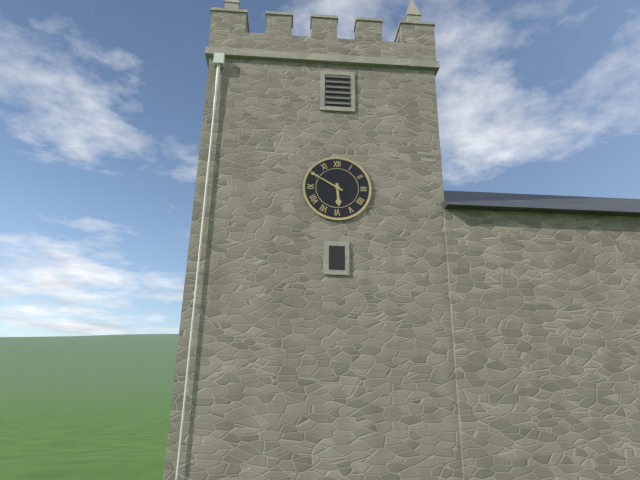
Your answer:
5:50
